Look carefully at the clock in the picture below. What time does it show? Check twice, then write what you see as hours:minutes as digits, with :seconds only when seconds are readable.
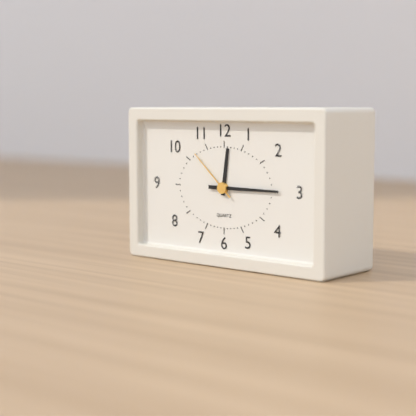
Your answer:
12:15:52
